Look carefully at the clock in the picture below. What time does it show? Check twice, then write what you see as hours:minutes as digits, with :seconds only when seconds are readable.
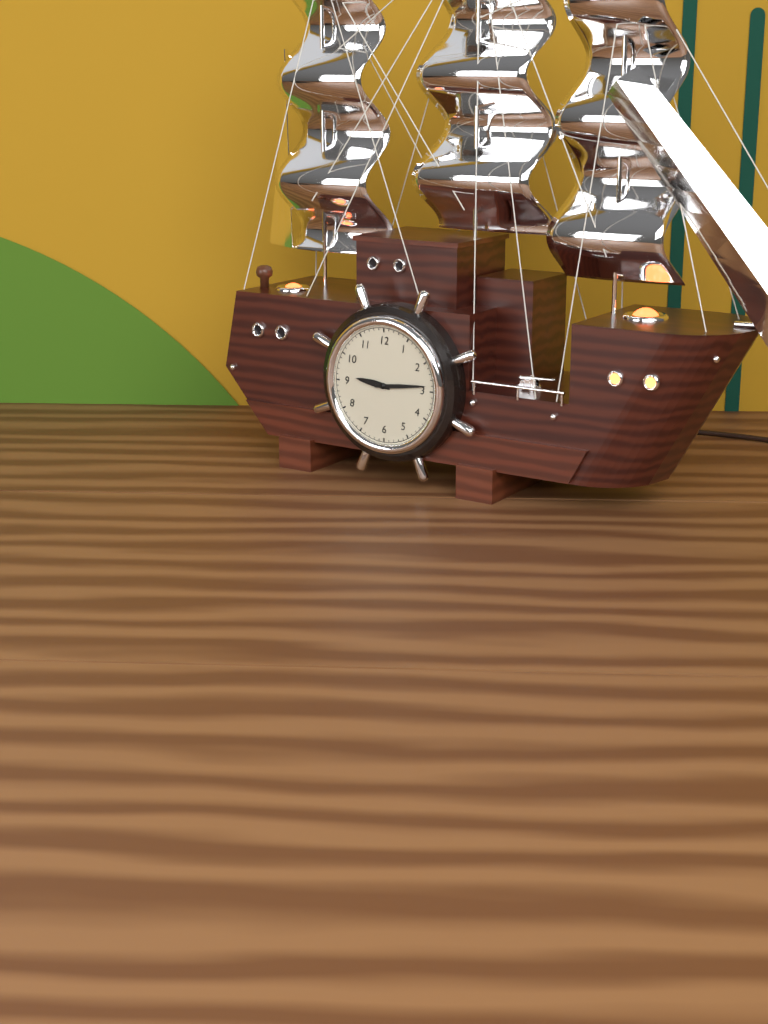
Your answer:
9:14
